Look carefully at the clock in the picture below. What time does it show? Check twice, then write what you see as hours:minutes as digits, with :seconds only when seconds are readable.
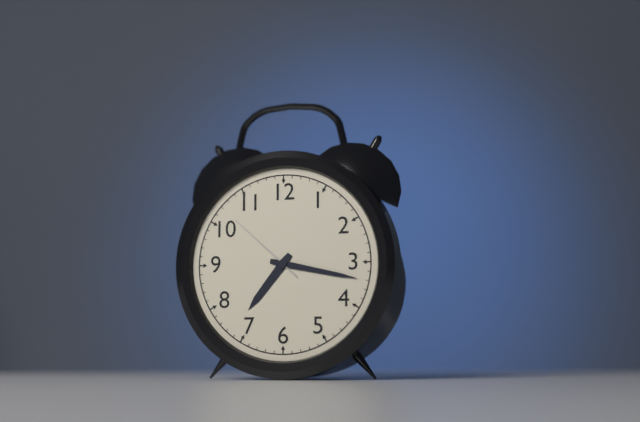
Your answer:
7:17:52
